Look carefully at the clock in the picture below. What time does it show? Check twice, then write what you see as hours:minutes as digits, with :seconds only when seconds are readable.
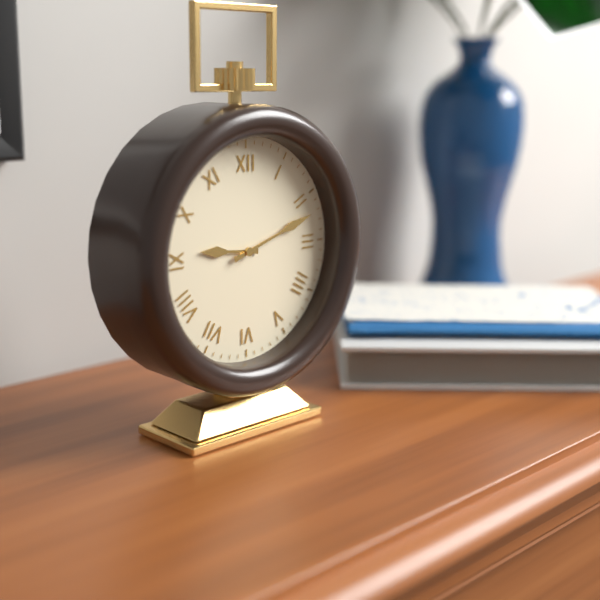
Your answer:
9:12
